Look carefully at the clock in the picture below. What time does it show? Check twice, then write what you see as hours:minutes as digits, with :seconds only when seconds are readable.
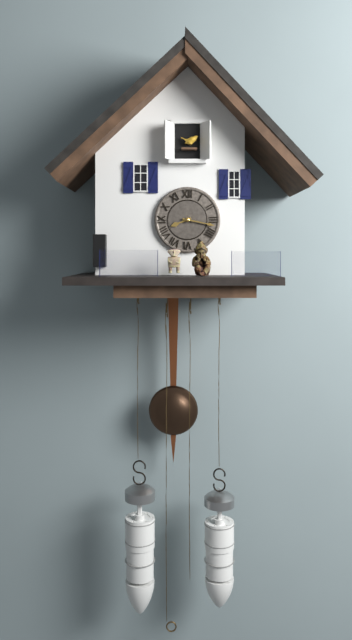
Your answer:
8:17
